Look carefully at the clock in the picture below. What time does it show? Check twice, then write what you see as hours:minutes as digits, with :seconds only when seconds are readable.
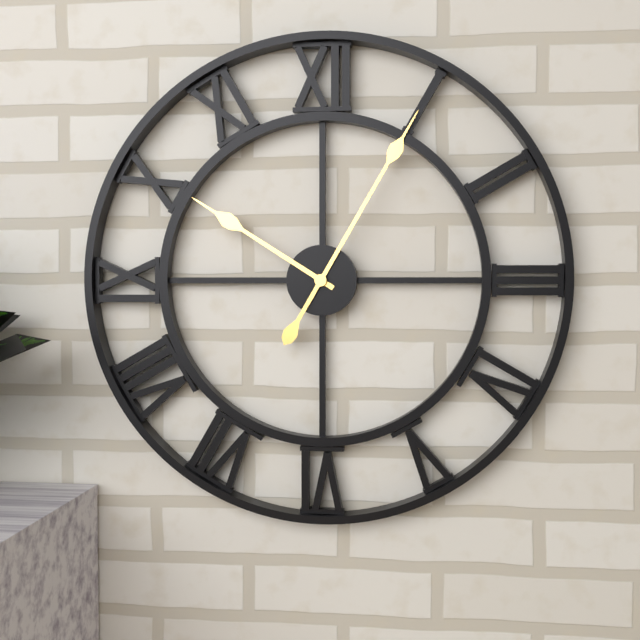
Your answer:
10:05
